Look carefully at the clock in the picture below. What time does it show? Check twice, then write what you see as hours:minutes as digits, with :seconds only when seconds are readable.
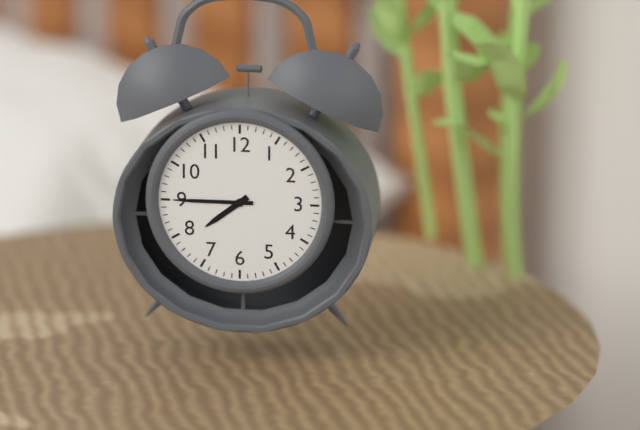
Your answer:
7:45
